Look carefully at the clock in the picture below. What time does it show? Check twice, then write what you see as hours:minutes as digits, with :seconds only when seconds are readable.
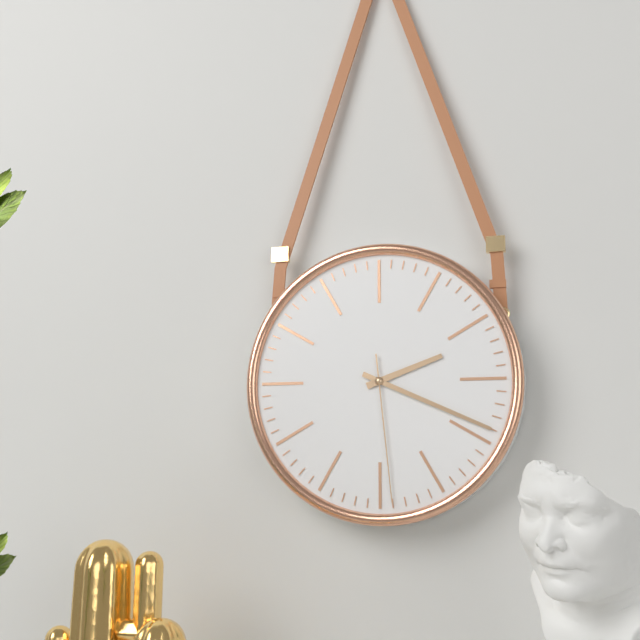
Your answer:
2:19:29
